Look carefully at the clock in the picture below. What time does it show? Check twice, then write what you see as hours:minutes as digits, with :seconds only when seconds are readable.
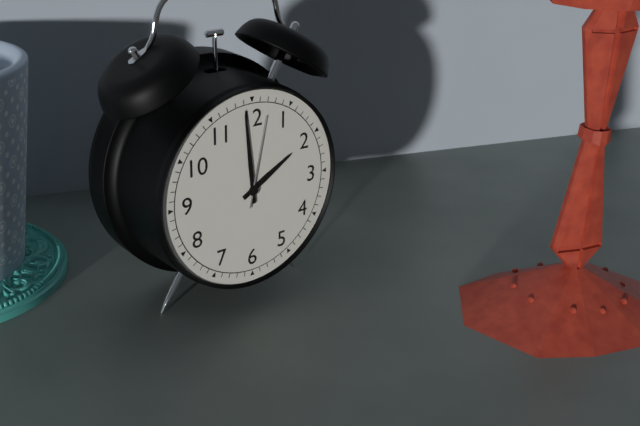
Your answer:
1:59:02
